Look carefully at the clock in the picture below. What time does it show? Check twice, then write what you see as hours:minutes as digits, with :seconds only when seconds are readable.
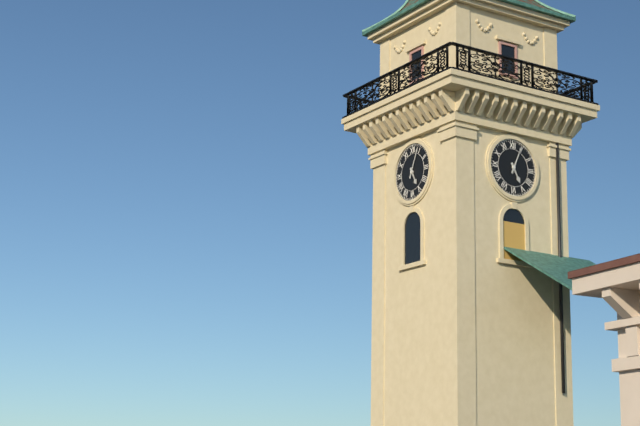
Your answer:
5:04
